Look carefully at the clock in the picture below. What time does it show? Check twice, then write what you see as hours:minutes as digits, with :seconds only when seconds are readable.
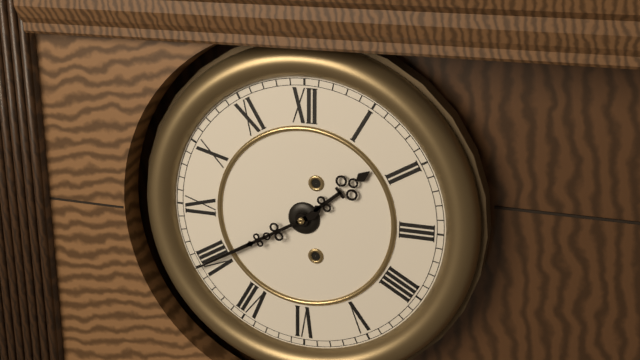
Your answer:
1:40
